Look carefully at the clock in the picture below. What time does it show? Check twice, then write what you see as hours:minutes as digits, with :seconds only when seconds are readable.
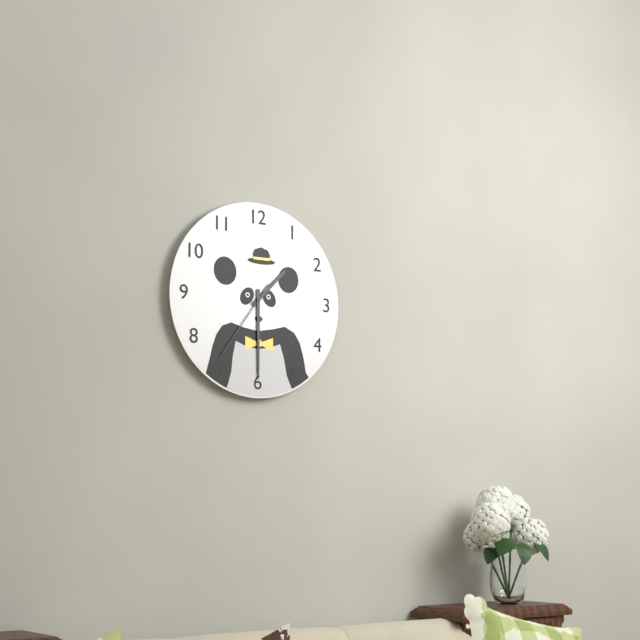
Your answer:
1:30:36
